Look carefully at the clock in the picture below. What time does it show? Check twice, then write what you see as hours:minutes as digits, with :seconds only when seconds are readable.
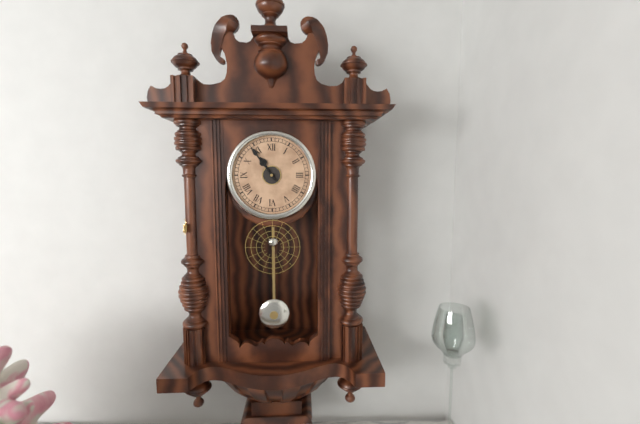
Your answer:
10:54
